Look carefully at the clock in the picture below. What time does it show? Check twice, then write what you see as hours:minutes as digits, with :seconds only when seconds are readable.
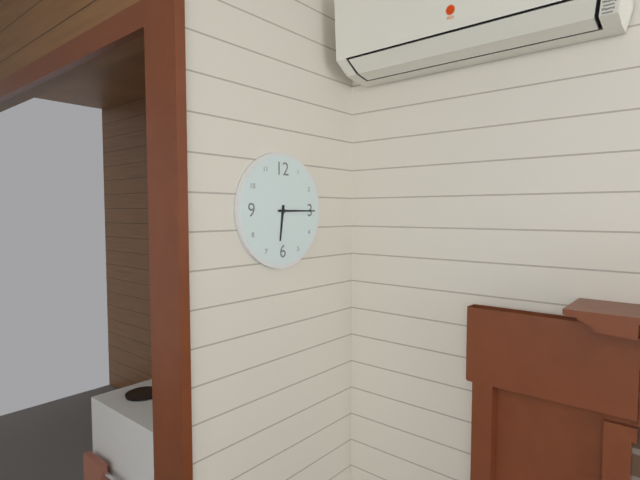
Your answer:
6:15
